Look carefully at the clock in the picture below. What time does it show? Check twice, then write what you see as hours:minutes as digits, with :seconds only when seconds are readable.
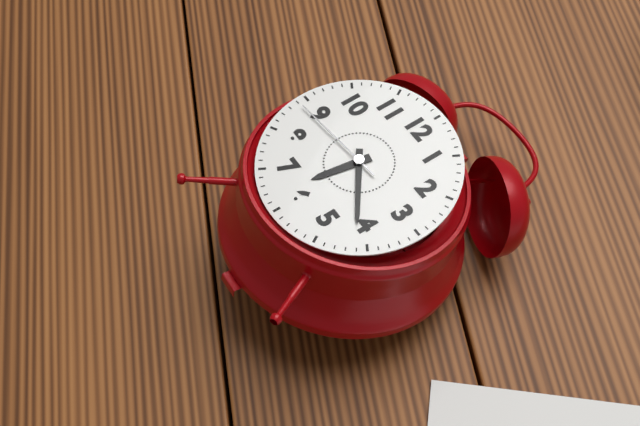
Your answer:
6:21:44
